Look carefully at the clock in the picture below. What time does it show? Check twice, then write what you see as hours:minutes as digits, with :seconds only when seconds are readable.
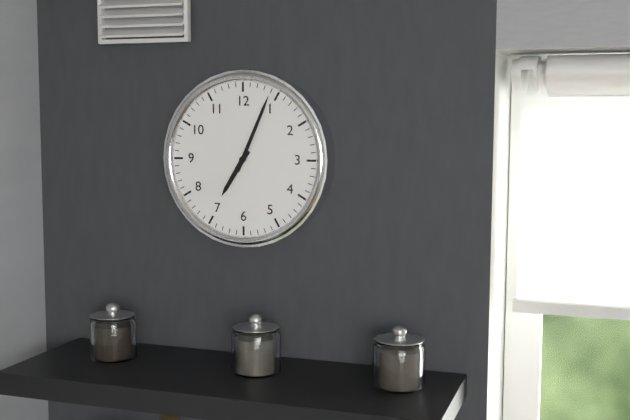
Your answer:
7:04
